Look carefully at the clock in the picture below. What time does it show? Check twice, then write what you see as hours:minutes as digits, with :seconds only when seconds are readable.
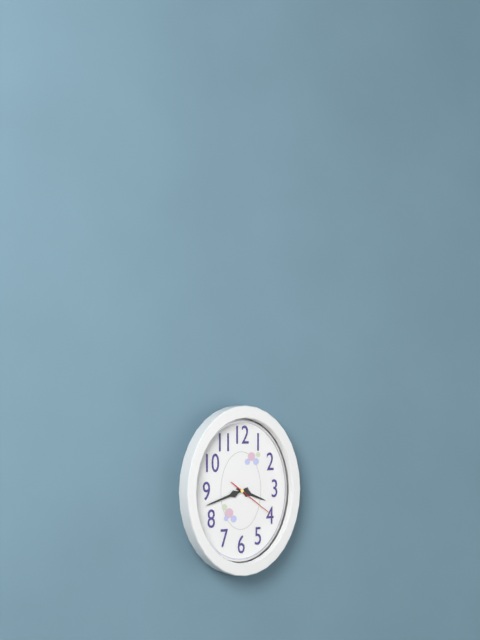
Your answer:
3:42
